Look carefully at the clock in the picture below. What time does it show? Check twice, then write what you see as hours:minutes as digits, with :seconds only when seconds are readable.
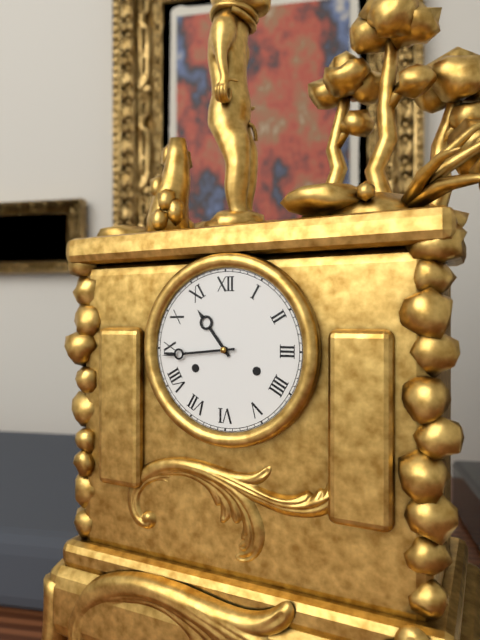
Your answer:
10:44
